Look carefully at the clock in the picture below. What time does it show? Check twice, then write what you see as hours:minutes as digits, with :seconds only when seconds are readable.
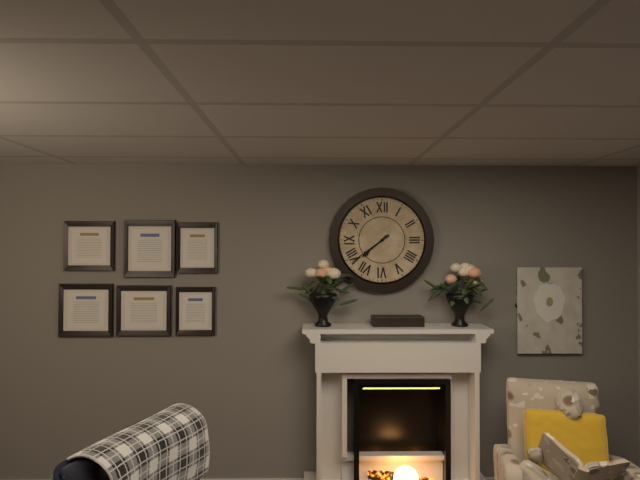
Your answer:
7:39
